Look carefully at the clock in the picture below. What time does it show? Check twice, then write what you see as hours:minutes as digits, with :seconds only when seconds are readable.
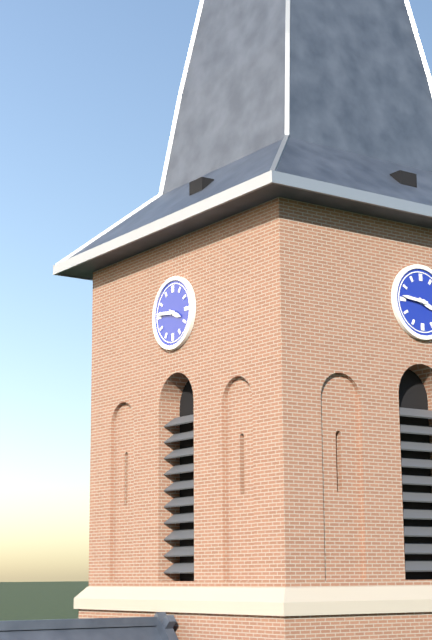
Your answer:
3:46
